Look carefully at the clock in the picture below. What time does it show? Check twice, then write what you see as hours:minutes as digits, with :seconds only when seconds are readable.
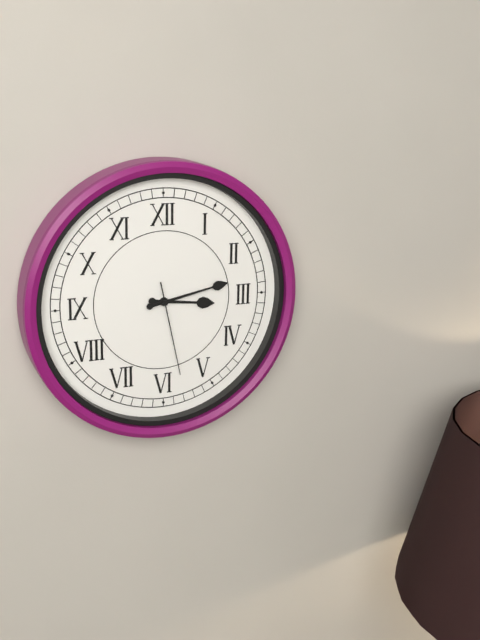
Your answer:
3:13:28
